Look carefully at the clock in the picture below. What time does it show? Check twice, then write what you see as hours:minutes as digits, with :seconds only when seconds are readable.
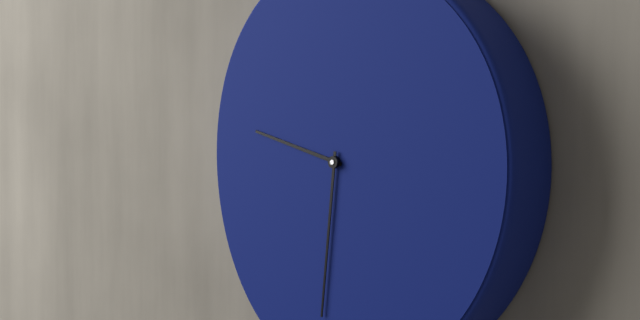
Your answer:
9:31
